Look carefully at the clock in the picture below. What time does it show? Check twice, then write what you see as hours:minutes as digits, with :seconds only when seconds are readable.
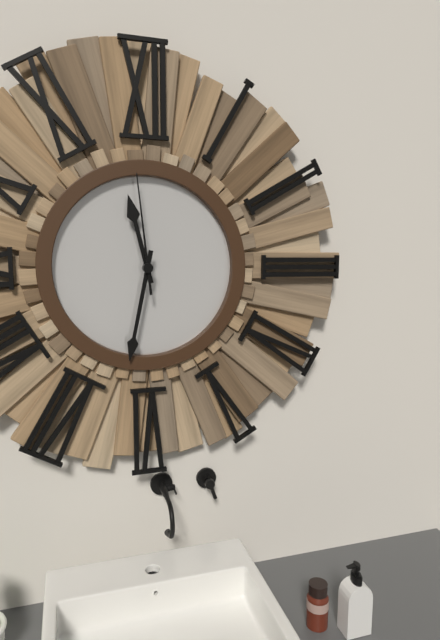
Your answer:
11:32:59
